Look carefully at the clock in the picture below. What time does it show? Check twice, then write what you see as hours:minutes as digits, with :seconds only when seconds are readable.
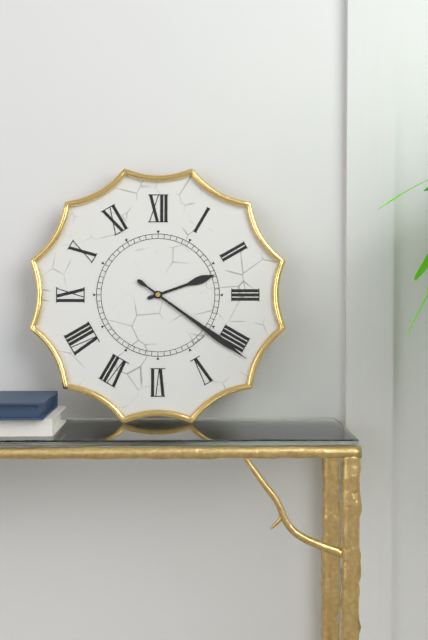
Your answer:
2:21
